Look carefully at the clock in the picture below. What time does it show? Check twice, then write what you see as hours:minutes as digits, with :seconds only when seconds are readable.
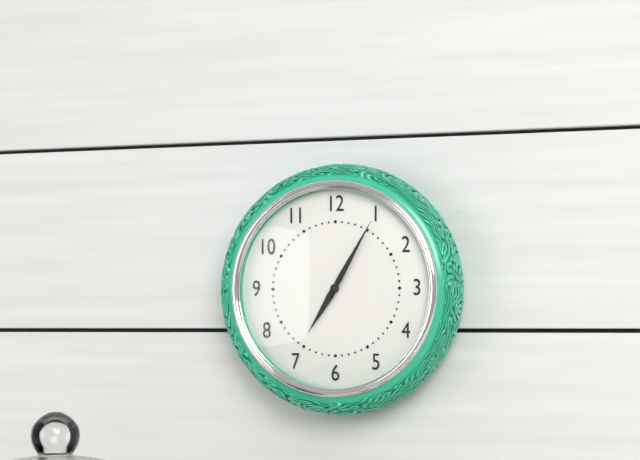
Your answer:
7:05
